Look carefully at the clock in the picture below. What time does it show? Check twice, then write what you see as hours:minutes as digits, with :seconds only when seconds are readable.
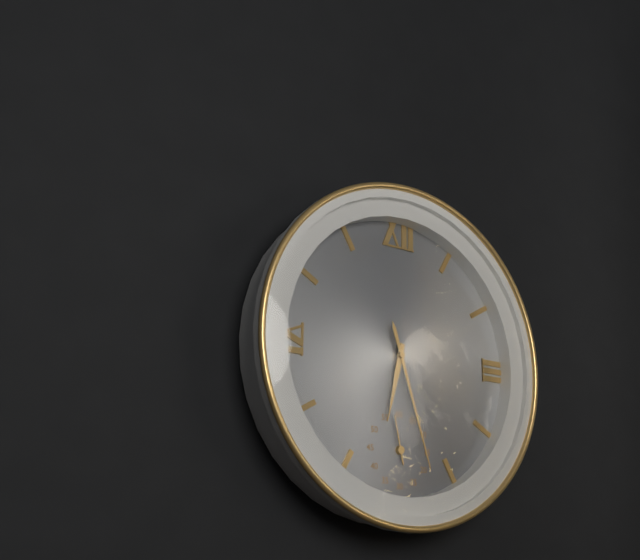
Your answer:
6:27:58
